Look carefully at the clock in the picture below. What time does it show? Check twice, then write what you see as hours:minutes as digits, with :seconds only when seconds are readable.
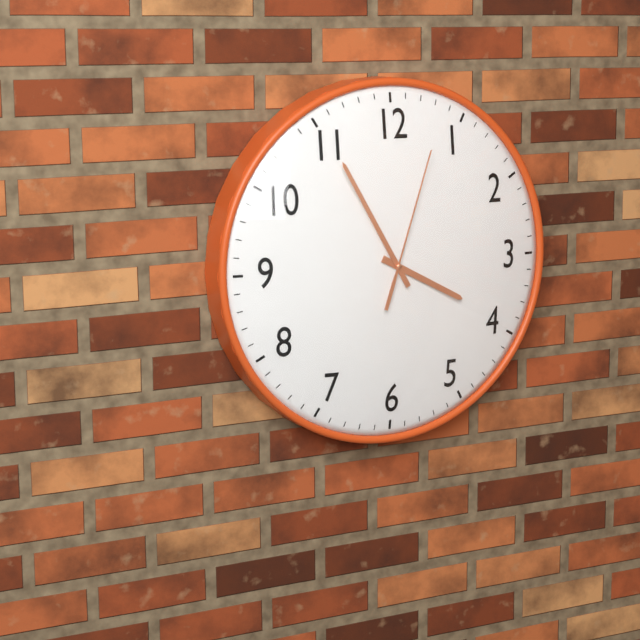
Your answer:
3:55:03
